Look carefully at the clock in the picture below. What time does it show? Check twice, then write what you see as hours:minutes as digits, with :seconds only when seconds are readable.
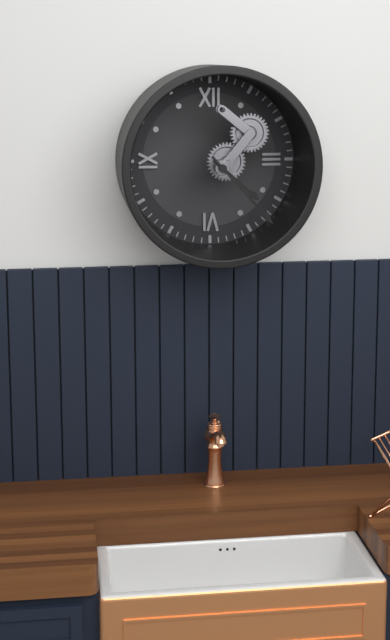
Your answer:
4:23
